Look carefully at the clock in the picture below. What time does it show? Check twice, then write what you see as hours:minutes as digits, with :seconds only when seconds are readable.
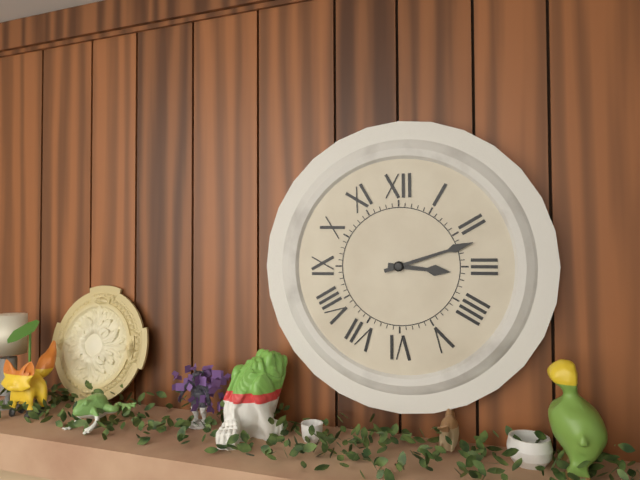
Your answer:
3:12
